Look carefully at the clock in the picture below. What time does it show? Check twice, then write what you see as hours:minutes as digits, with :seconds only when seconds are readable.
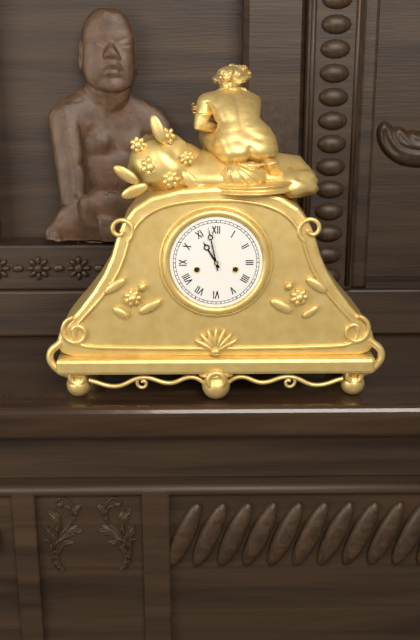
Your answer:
10:58
